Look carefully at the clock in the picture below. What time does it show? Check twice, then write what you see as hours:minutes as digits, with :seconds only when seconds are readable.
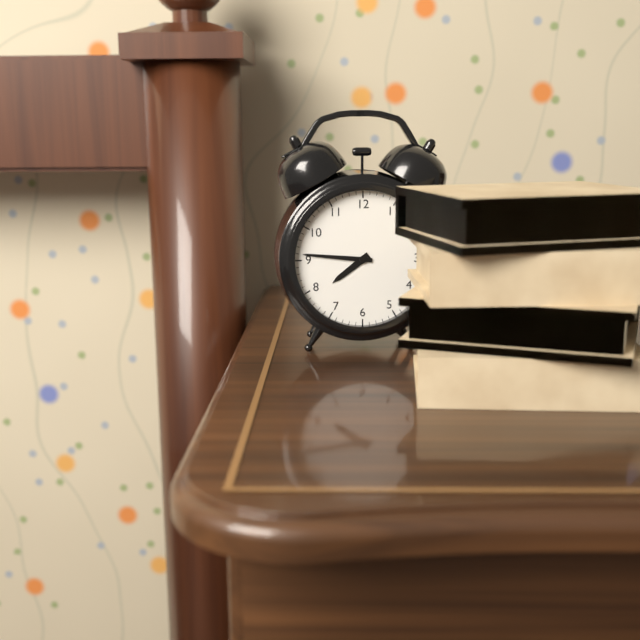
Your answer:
7:46
